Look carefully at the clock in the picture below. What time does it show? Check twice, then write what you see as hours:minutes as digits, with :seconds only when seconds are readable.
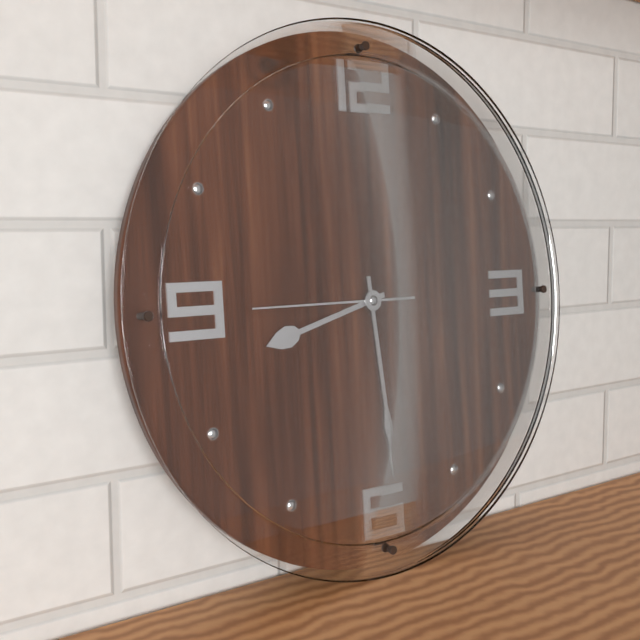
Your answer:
8:29:45
